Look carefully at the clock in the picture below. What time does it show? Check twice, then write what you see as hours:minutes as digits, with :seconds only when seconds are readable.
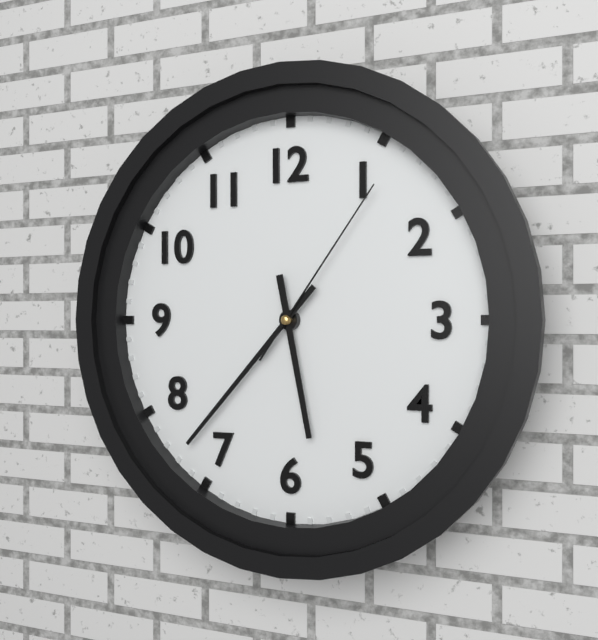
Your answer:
5:37:06
